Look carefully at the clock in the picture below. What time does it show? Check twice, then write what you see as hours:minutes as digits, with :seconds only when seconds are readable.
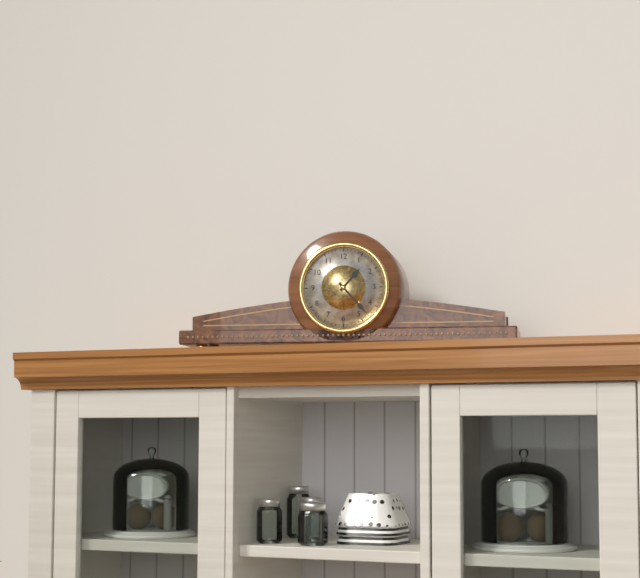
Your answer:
1:23
